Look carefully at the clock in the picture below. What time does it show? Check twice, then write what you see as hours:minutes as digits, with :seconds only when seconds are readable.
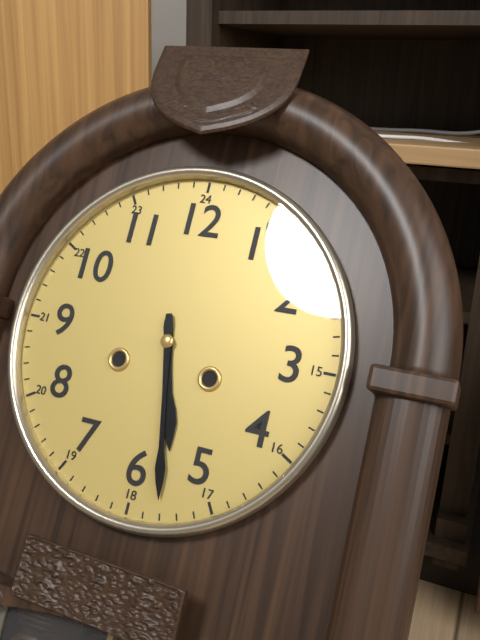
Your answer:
5:28
